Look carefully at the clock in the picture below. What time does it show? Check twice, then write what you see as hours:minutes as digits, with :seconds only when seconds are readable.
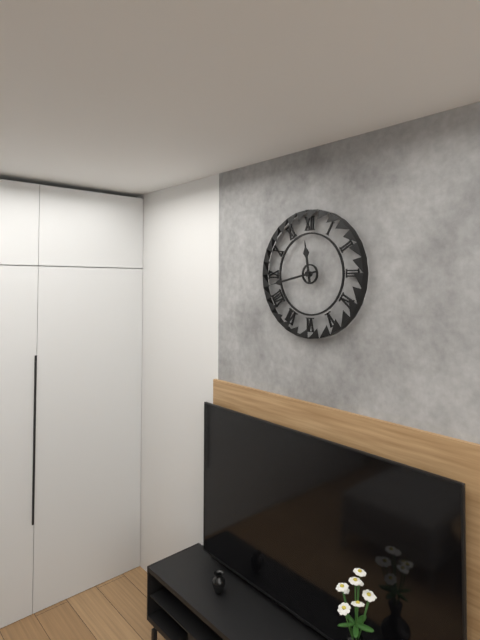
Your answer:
11:43
